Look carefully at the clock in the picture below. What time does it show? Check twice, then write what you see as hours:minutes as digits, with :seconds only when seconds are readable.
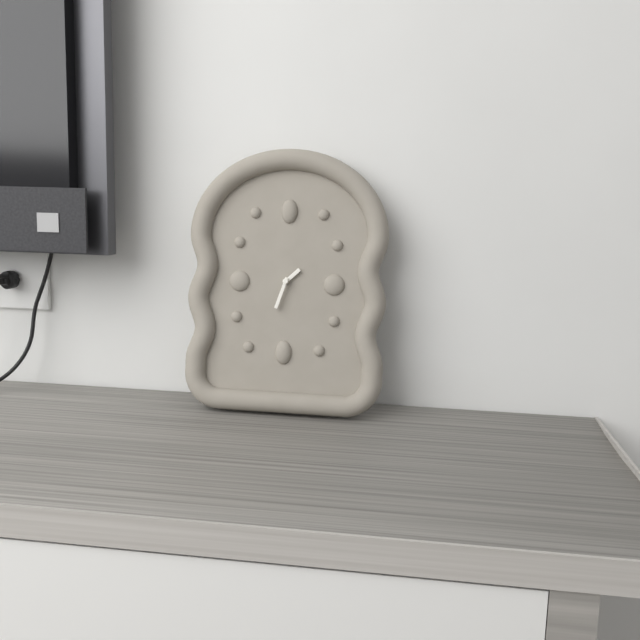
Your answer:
1:33
